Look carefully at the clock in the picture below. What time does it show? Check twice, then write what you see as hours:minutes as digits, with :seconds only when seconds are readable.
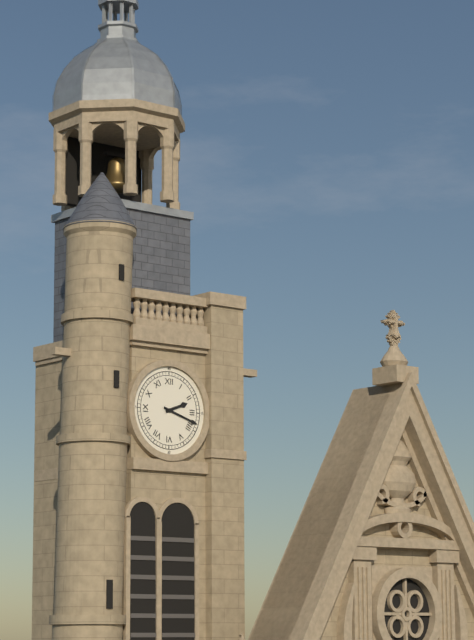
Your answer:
2:18
